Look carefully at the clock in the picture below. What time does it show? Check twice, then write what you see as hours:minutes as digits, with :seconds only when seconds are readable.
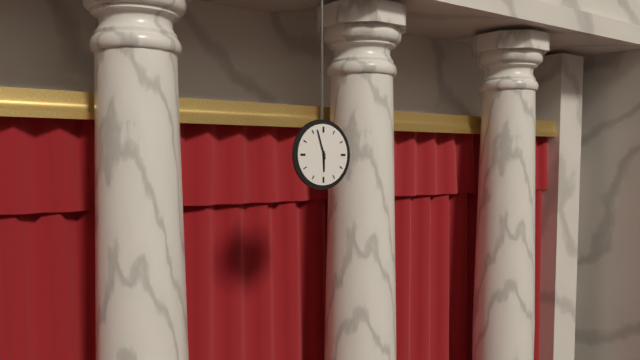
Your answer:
5:57
